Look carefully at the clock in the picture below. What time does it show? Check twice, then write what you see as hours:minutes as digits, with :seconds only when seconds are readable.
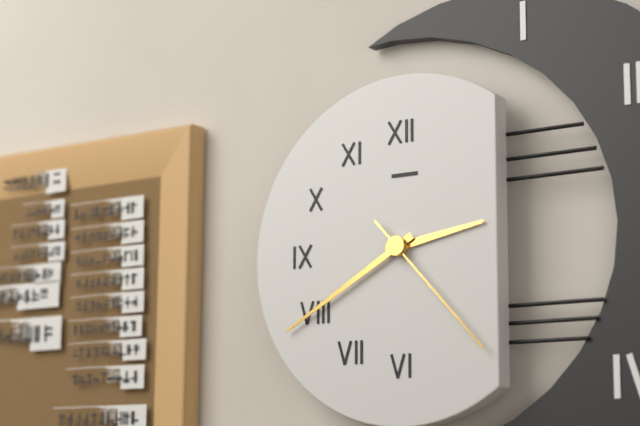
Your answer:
2:40:23
